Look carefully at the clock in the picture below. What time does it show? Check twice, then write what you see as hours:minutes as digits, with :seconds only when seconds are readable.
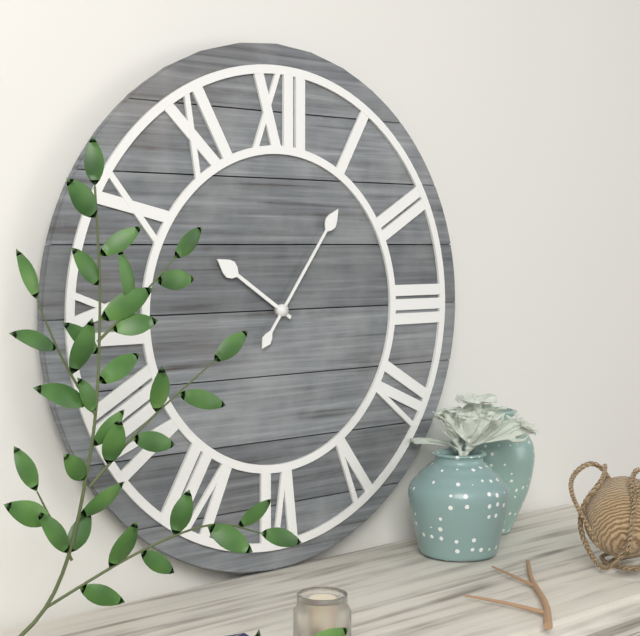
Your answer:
10:06
